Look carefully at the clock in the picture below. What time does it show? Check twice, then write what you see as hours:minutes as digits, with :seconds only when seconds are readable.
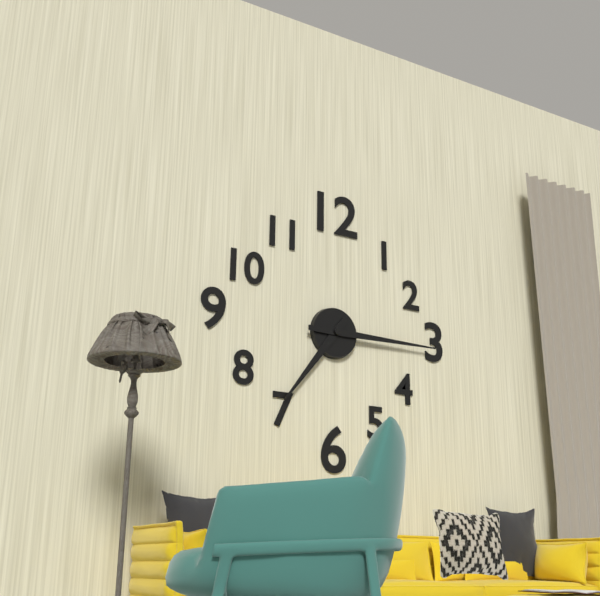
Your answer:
7:15
